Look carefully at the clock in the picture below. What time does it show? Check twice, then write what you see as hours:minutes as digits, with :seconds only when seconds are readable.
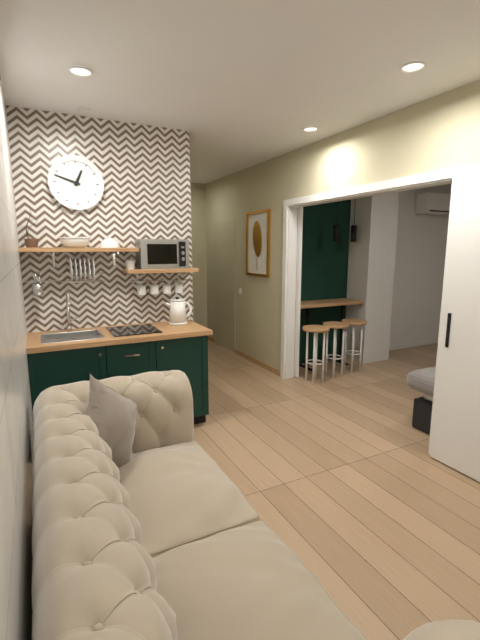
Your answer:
12:48
